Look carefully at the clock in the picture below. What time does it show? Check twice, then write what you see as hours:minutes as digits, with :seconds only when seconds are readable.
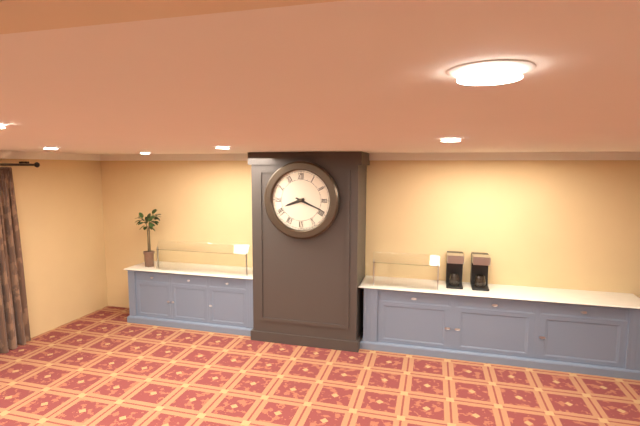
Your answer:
8:19
